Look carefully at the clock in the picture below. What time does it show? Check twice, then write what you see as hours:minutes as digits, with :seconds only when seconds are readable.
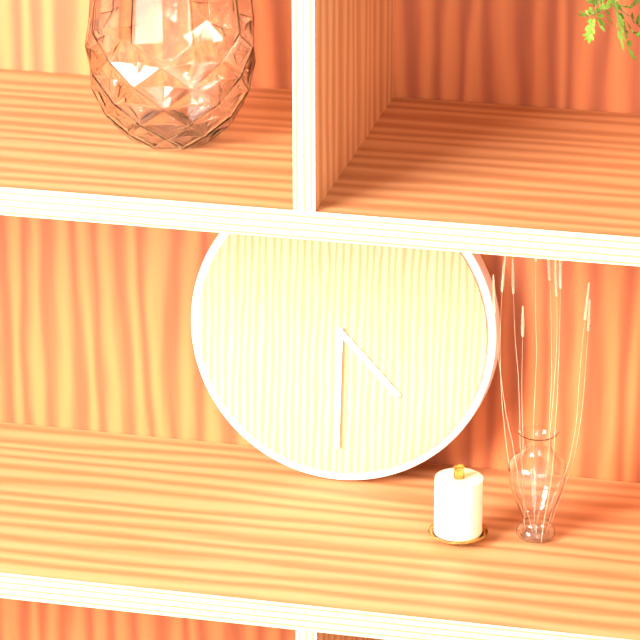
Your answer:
4:30
